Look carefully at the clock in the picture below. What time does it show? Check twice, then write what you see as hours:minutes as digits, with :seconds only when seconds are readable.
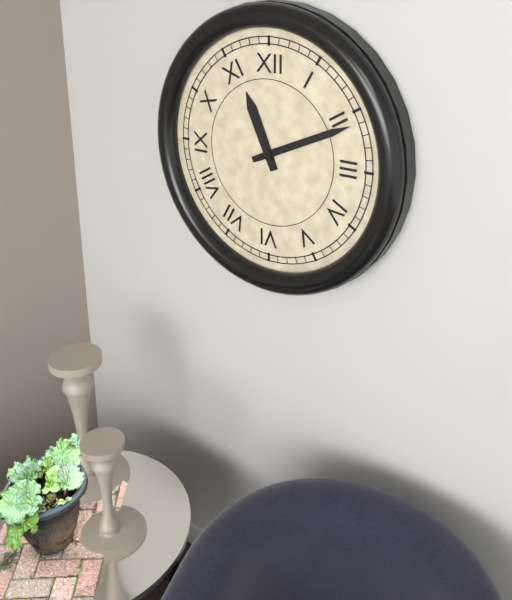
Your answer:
11:11
